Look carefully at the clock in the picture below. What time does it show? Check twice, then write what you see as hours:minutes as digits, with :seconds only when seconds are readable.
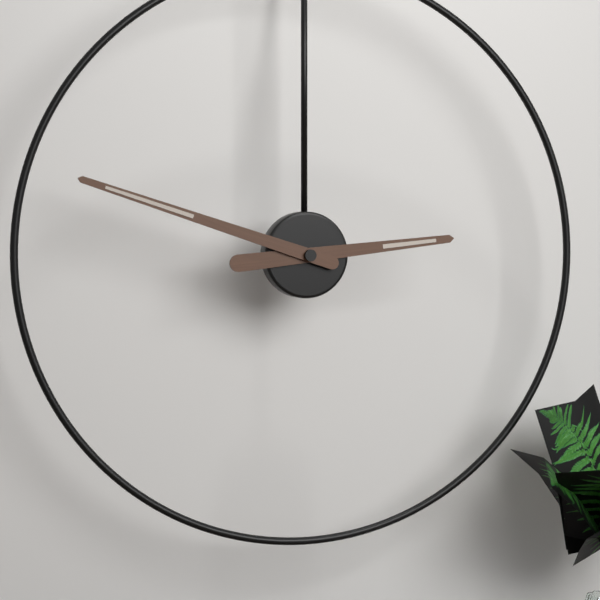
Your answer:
2:48
